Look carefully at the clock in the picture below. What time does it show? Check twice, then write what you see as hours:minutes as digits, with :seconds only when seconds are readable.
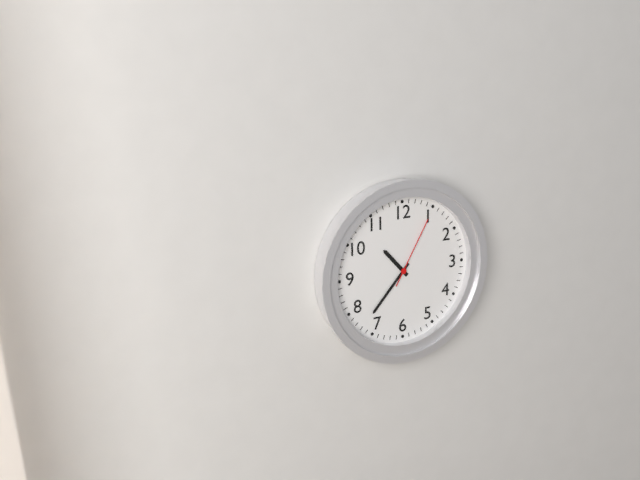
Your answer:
10:37:05
